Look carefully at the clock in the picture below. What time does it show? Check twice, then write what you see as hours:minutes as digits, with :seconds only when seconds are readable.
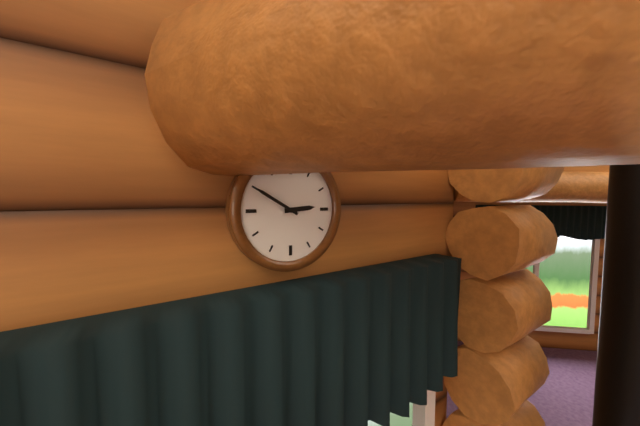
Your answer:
2:50
